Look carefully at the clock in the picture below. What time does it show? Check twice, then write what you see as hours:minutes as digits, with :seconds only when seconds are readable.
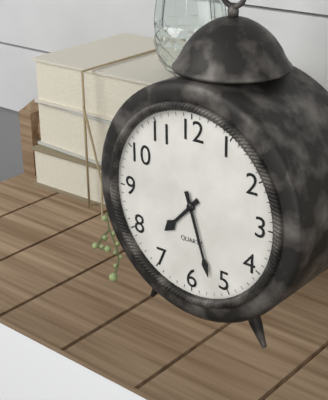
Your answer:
7:27
